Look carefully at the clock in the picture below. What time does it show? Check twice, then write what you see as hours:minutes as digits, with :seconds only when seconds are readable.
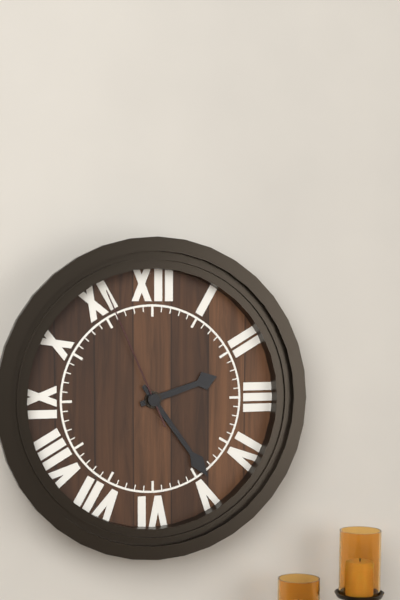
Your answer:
2:24:56
